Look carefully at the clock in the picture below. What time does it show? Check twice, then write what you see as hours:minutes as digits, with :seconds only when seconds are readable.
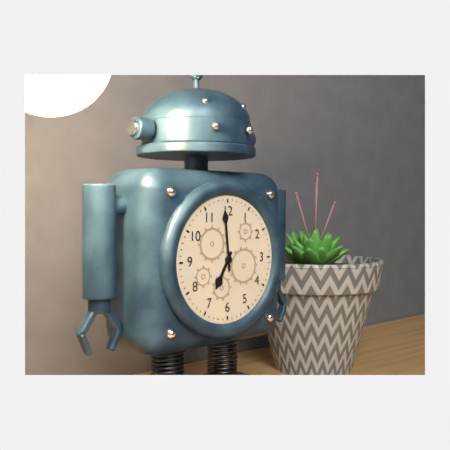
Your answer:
6:59
